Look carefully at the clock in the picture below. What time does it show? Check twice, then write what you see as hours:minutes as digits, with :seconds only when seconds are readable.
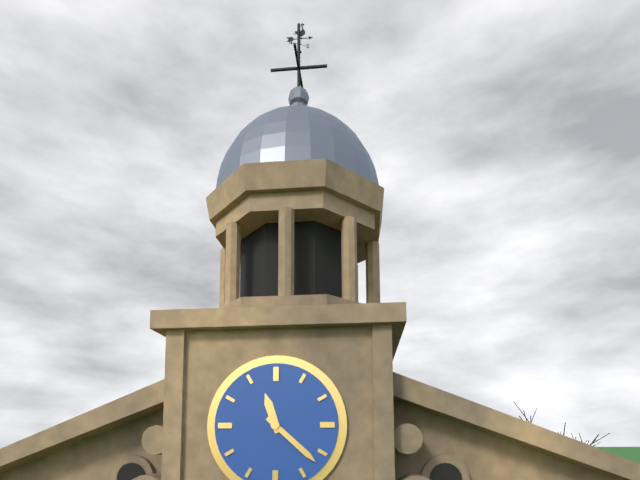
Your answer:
11:22
